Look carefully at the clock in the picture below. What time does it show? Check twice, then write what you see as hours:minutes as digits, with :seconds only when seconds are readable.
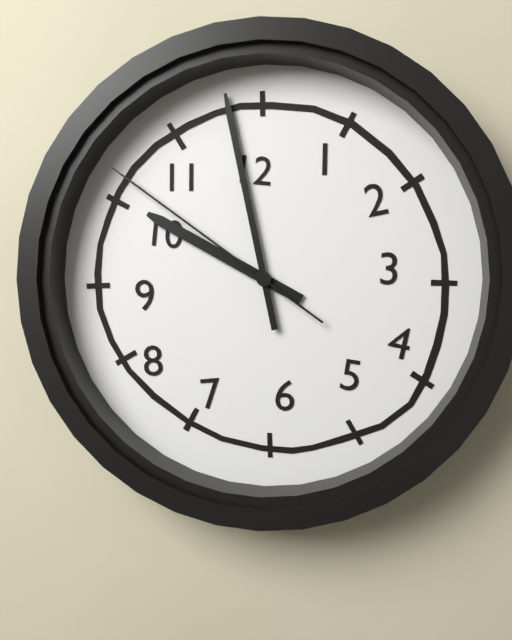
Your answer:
9:58:51
